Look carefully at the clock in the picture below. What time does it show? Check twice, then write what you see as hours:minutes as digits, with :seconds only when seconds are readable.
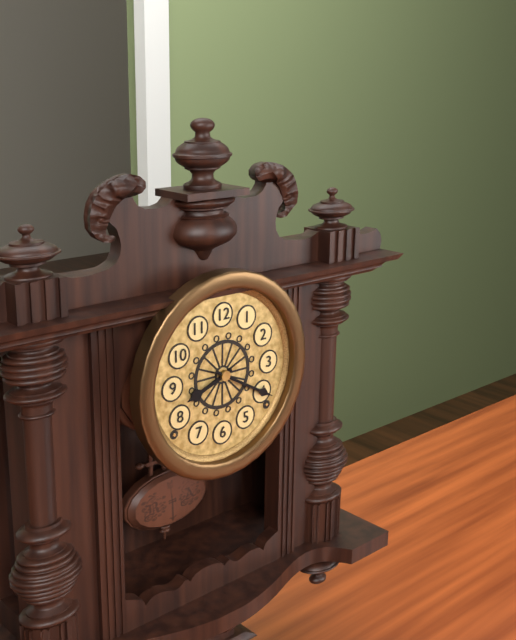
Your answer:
8:20
